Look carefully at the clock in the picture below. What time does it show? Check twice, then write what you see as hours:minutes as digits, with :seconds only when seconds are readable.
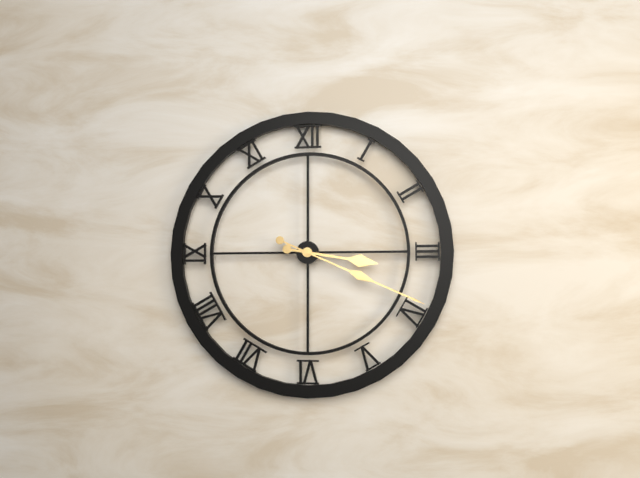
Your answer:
3:19
